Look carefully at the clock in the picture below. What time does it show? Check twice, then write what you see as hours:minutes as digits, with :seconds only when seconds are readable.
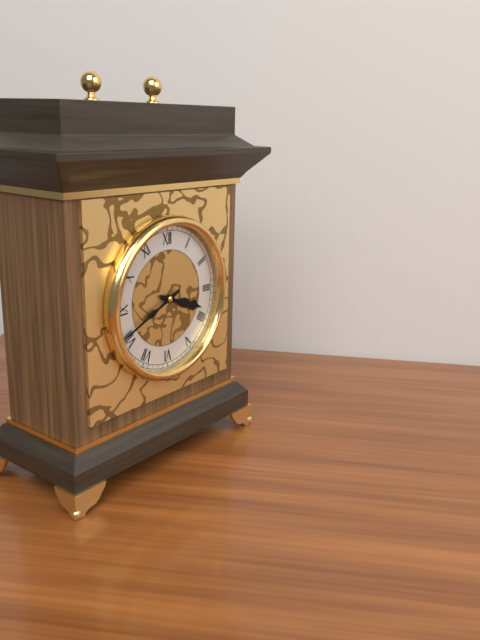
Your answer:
3:41
